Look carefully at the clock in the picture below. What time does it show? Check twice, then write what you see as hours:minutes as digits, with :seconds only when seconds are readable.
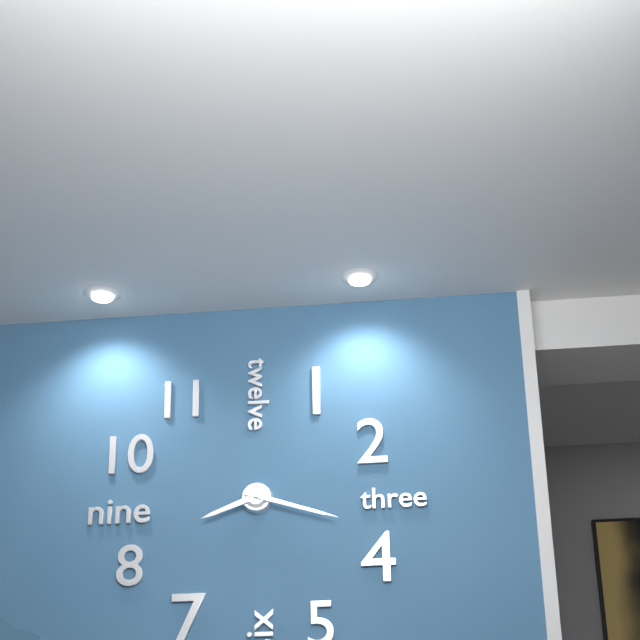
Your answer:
8:18
